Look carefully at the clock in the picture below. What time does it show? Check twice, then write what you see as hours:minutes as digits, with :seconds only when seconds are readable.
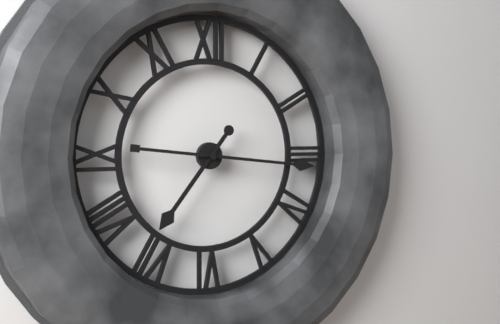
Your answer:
7:16
